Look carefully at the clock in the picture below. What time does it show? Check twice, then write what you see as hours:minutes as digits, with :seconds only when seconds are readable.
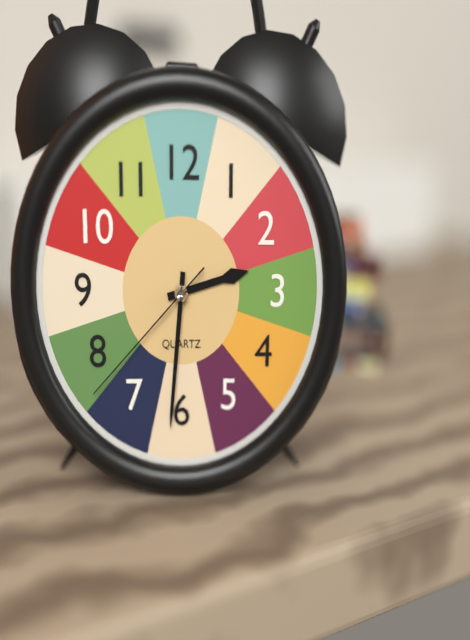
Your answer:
2:31:38
